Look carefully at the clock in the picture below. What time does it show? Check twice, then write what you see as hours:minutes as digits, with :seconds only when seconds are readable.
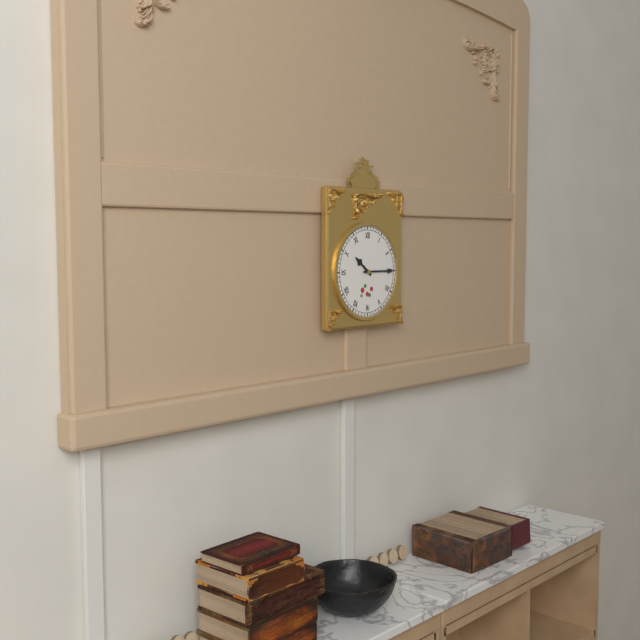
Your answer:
10:15
